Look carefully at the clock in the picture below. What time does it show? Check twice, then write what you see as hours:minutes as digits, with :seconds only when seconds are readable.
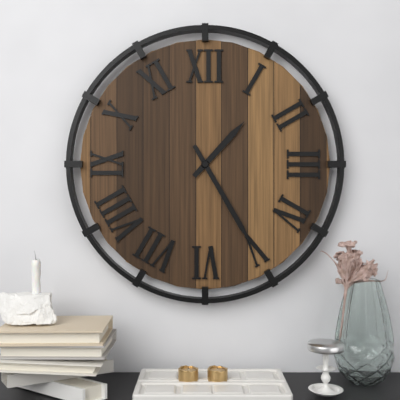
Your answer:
1:25
